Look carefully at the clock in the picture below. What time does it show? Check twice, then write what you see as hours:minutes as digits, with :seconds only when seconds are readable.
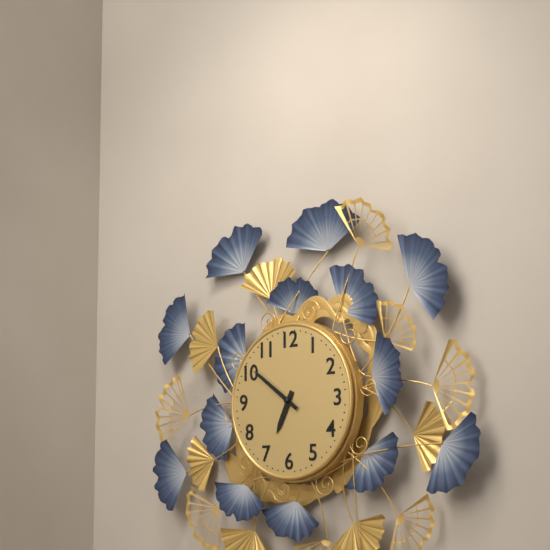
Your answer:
6:51
